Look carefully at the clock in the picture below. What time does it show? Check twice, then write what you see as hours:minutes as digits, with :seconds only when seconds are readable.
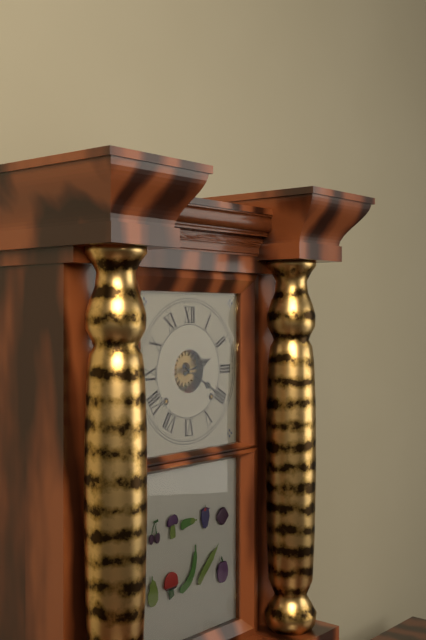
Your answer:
2:20
